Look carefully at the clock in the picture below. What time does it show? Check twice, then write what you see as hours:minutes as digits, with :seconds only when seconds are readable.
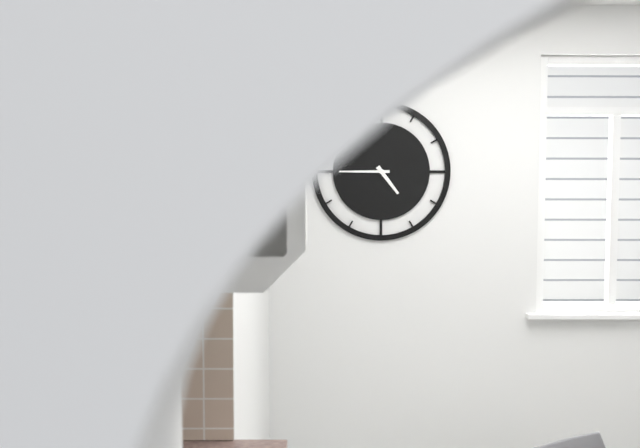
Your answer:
4:45
